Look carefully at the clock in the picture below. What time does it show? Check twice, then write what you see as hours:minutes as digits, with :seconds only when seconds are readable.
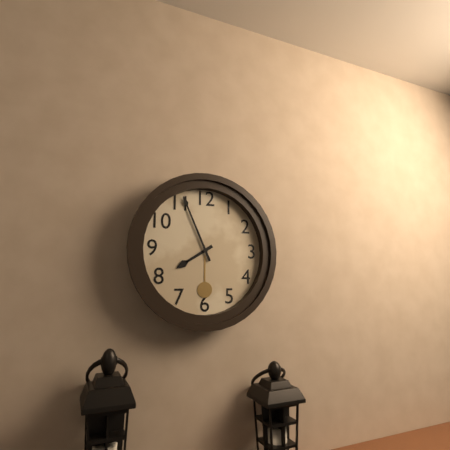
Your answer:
7:56
